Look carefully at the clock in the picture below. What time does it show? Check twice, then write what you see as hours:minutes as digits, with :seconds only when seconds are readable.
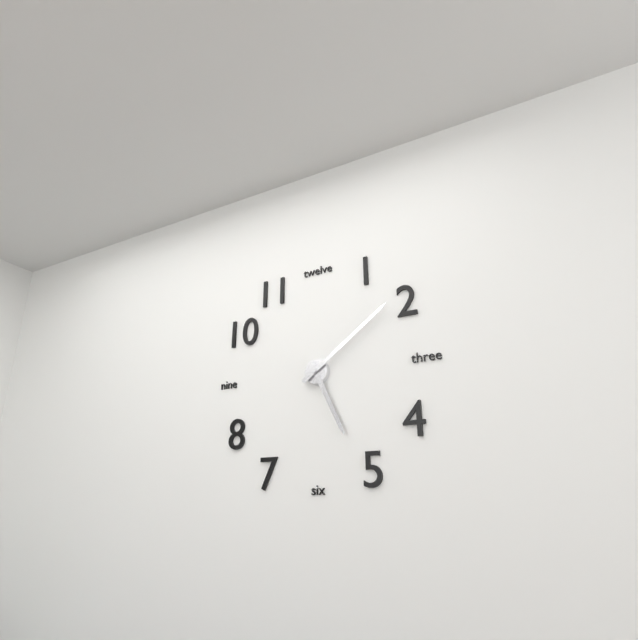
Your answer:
5:09
